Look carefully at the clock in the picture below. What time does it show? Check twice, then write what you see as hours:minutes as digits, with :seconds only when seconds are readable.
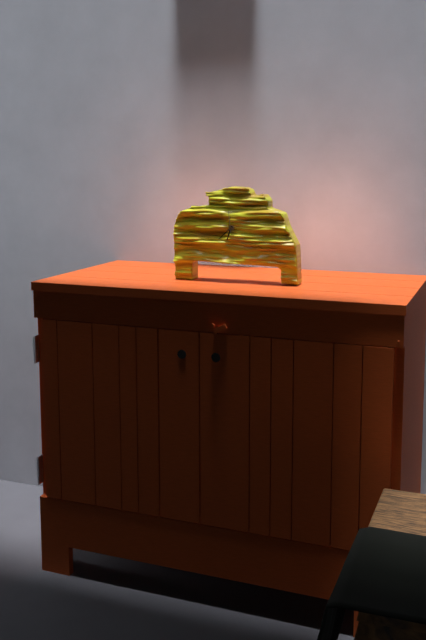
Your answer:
6:38
